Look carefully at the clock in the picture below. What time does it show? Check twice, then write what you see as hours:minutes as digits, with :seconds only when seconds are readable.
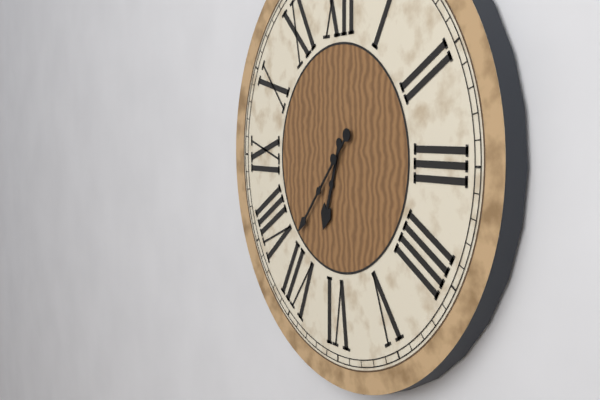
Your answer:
6:37
